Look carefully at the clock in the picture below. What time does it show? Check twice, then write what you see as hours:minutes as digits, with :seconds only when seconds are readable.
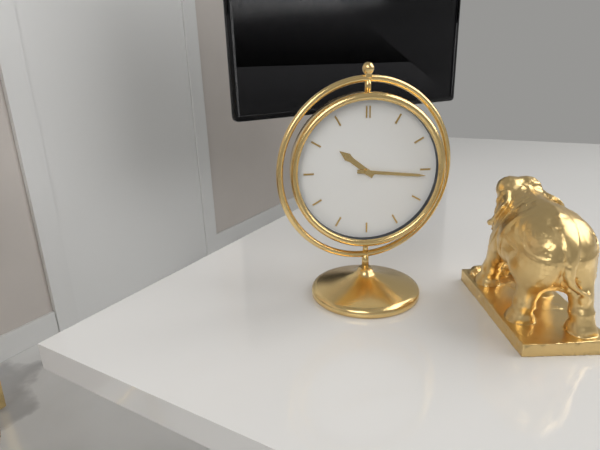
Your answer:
10:16
